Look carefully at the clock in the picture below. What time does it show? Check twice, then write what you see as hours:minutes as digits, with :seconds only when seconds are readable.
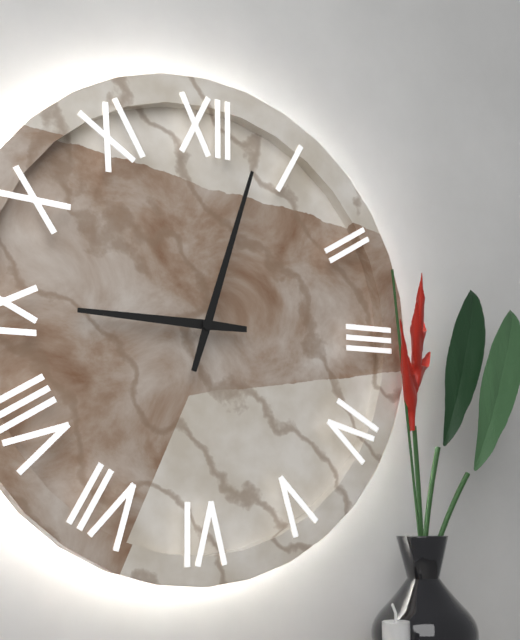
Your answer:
9:03
